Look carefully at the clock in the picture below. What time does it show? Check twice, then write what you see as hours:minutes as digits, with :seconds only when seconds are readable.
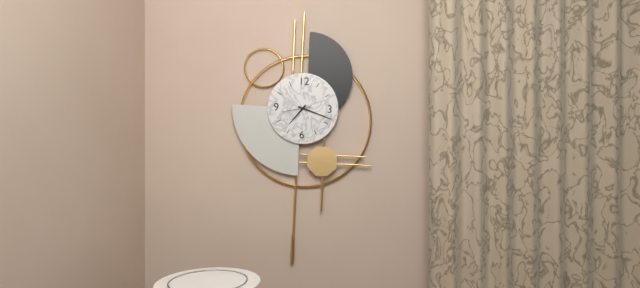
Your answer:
7:18
